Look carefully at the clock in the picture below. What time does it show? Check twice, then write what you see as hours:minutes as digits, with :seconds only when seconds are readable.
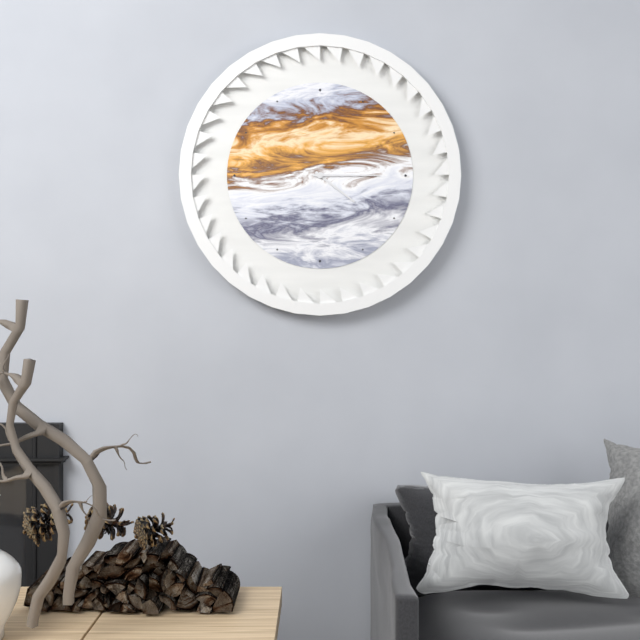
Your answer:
4:15
